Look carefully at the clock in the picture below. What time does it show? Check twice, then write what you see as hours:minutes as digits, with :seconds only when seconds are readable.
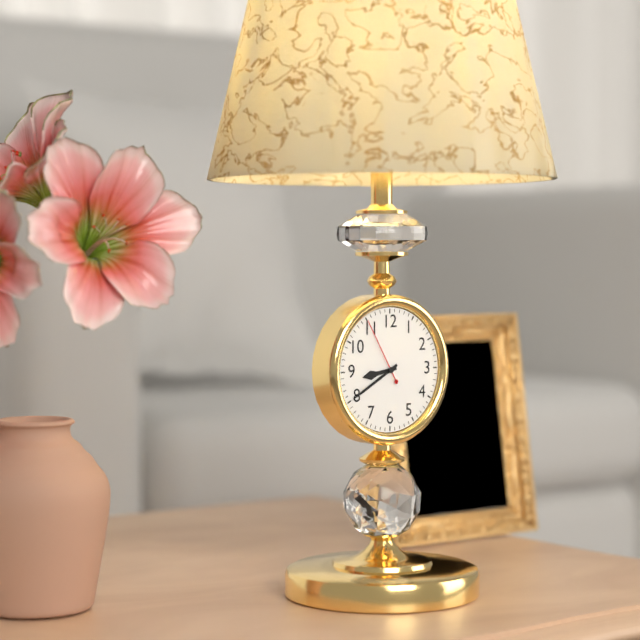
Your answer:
8:40:55
